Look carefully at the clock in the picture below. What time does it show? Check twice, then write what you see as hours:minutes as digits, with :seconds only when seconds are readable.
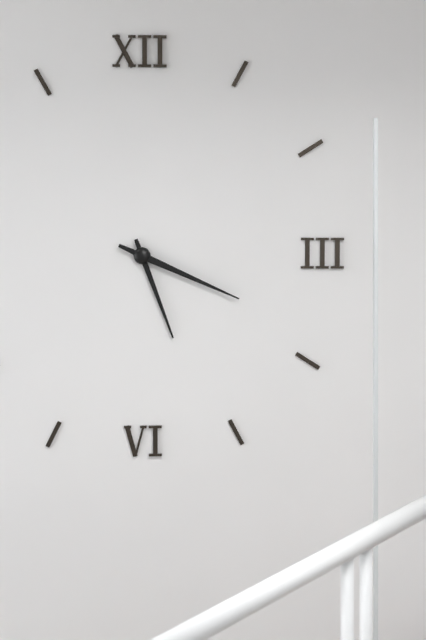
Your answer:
5:19
